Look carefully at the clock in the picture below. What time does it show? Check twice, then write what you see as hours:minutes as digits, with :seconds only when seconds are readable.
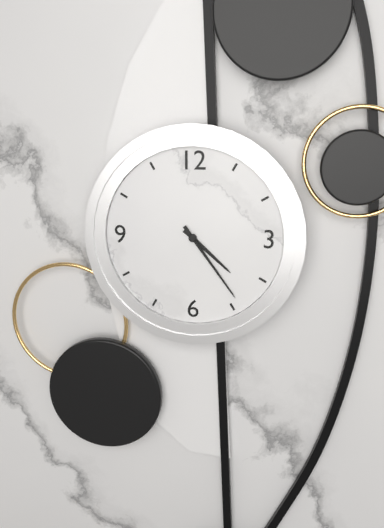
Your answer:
4:24
